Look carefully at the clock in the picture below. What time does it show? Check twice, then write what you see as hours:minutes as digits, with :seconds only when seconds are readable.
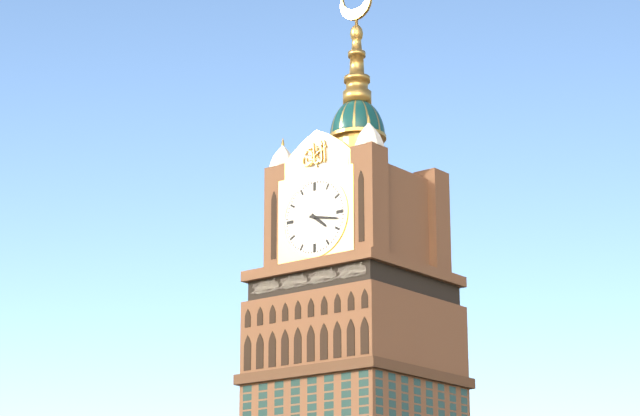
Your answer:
4:17
